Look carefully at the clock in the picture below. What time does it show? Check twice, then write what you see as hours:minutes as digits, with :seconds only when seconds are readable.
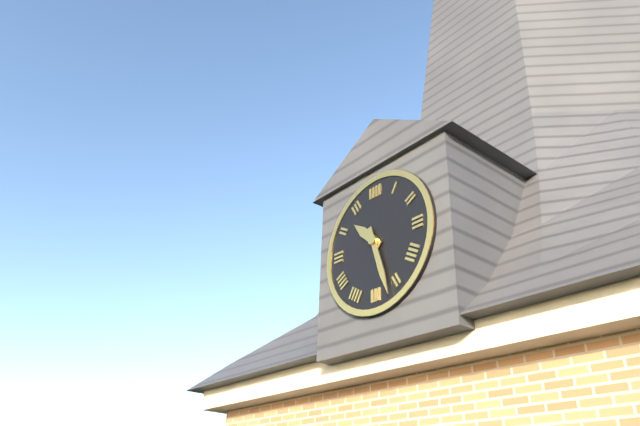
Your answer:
10:27
